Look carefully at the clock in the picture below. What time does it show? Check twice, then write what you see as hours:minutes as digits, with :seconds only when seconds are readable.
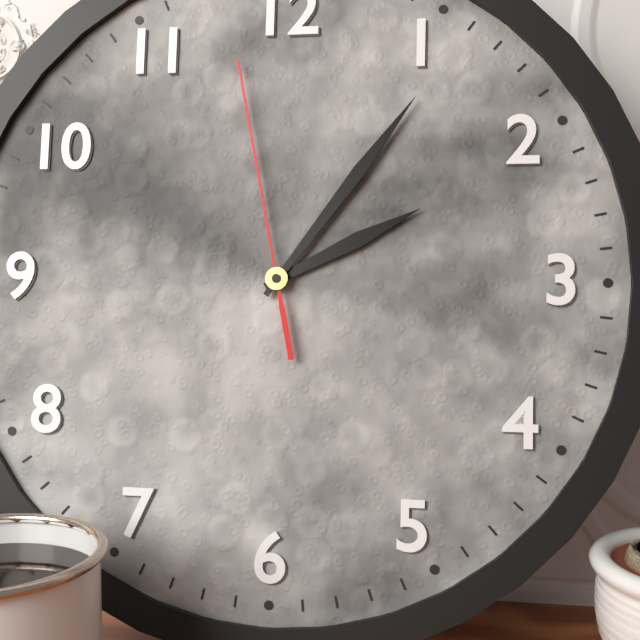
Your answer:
2:06:58
